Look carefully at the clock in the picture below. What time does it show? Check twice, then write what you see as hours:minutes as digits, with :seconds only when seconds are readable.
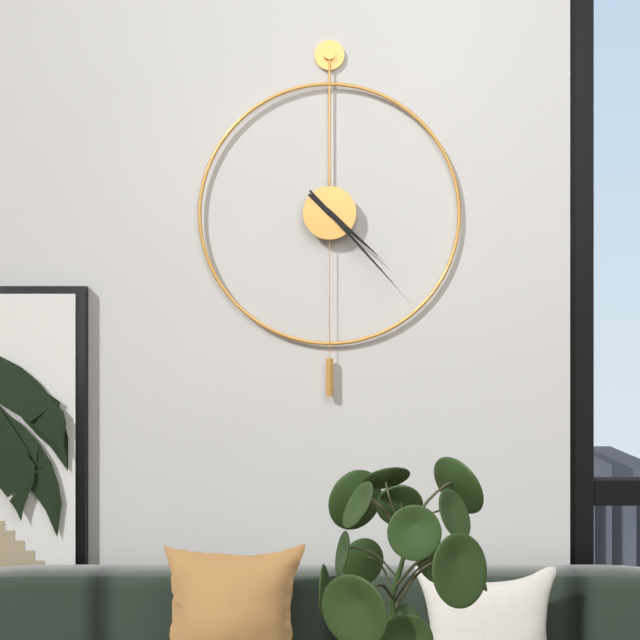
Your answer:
4:23
